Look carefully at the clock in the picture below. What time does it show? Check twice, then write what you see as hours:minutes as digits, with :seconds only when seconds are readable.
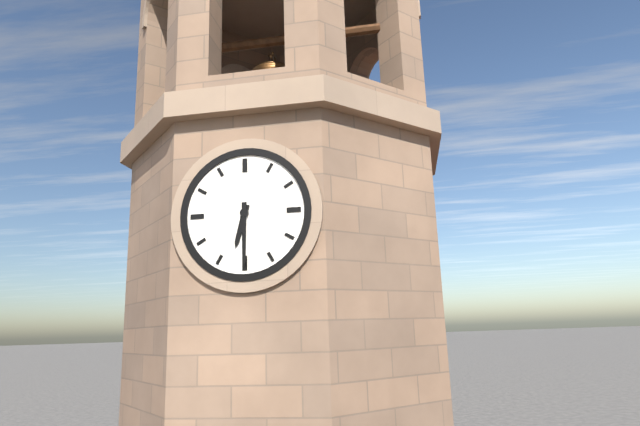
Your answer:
6:30
